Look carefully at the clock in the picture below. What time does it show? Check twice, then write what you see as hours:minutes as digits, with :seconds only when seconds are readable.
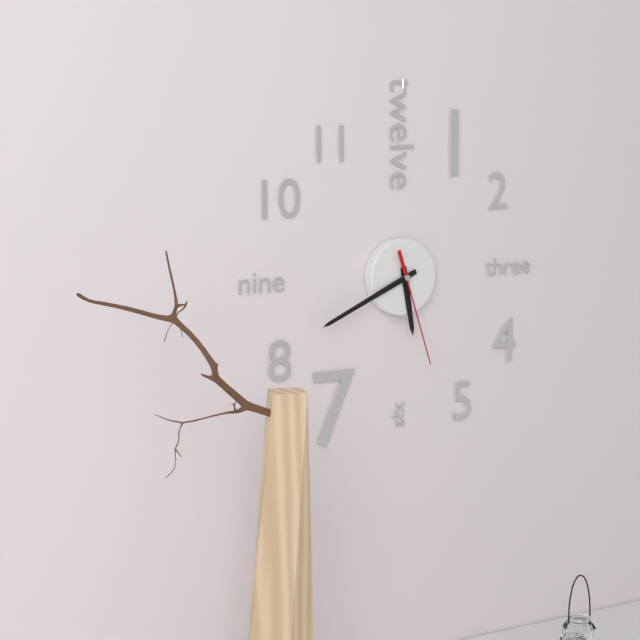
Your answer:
5:41:27
